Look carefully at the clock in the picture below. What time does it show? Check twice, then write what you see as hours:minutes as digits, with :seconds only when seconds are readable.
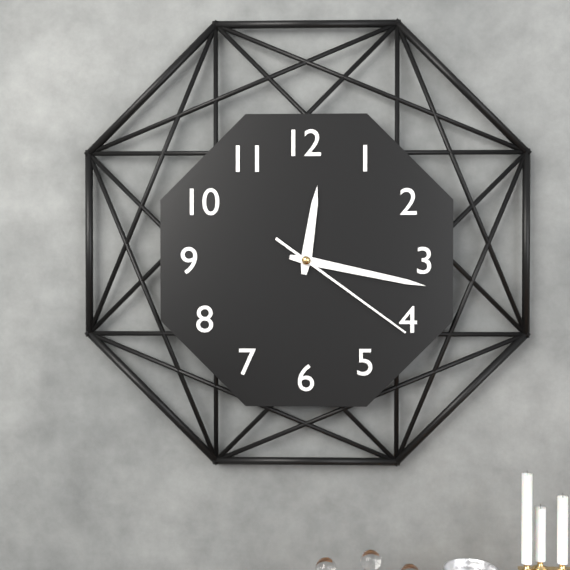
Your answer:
12:17:21
